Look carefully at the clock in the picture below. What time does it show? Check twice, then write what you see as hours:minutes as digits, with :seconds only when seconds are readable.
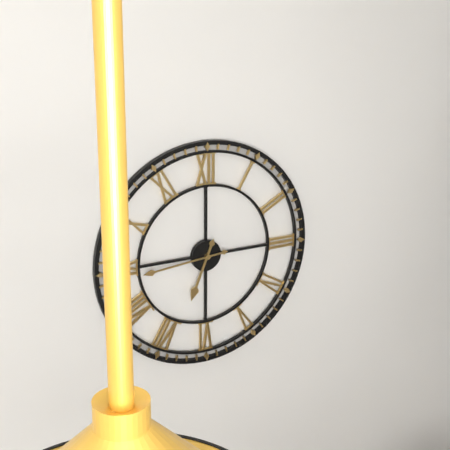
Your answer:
6:44
